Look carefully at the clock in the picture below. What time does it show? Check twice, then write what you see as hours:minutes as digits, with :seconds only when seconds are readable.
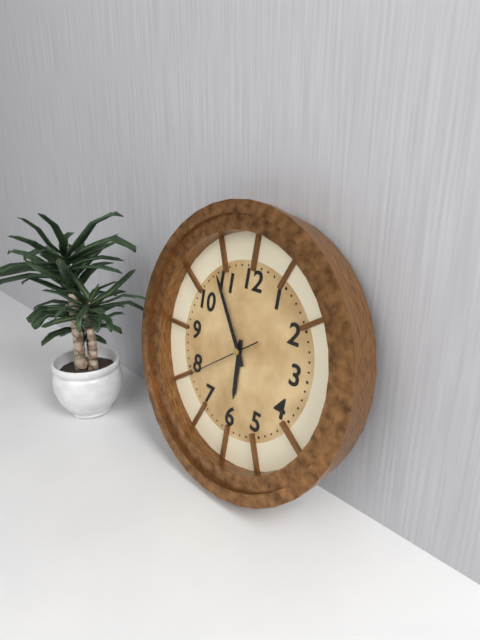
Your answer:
5:54:39
